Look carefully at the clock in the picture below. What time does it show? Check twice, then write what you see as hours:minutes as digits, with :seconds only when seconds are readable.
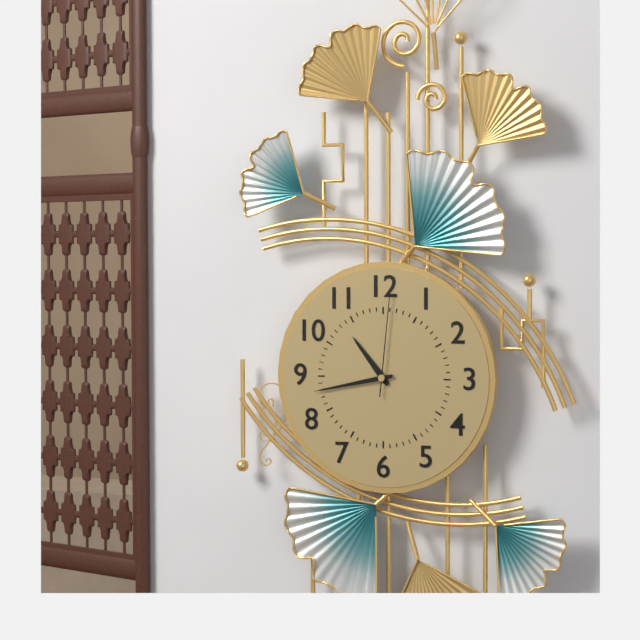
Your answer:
10:43:01
